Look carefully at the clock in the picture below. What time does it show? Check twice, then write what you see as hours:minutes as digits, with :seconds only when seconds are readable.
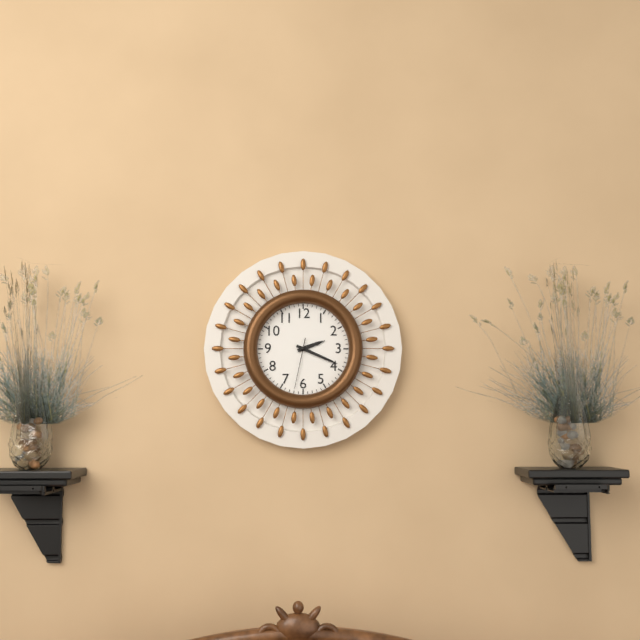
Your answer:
2:19:32
